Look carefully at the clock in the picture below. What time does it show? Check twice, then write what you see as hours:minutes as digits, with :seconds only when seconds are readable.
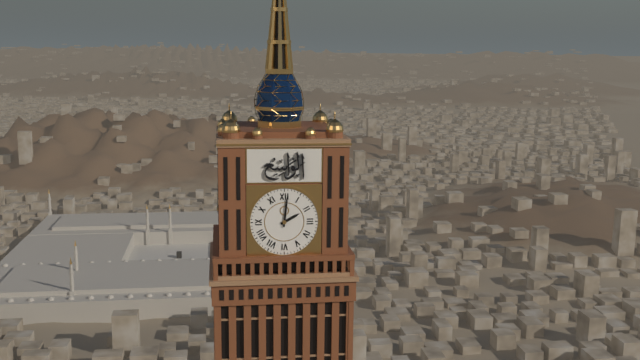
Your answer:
2:01
